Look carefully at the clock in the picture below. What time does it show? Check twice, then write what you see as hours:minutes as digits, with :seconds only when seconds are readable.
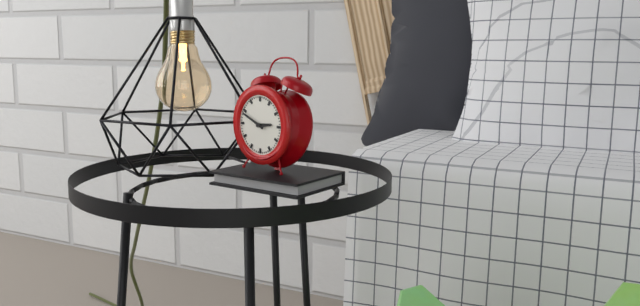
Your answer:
2:49
